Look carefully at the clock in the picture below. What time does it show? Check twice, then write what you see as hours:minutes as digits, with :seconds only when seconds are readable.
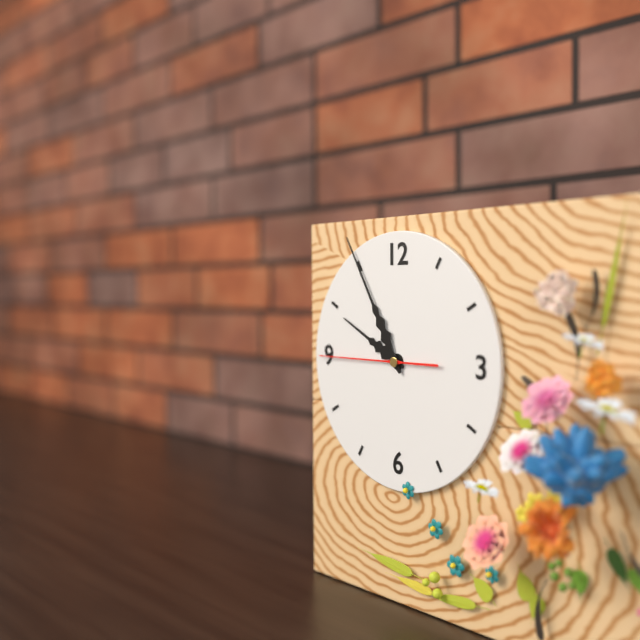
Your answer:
9:55:45
